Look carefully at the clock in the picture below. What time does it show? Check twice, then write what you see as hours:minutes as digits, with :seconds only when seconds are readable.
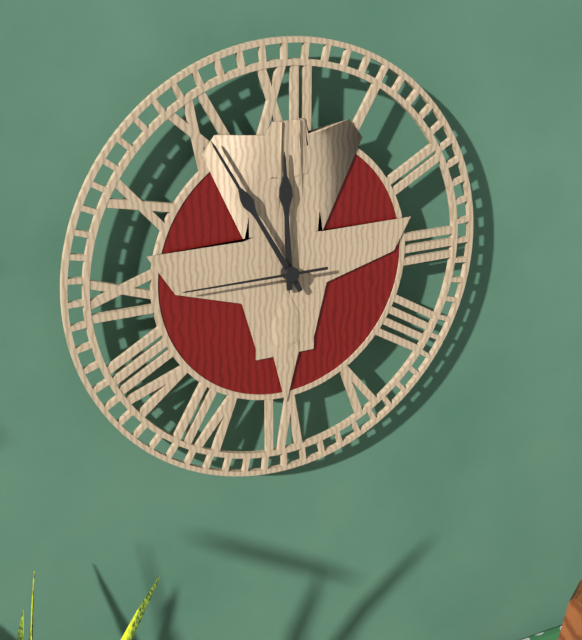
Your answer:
11:55:45
